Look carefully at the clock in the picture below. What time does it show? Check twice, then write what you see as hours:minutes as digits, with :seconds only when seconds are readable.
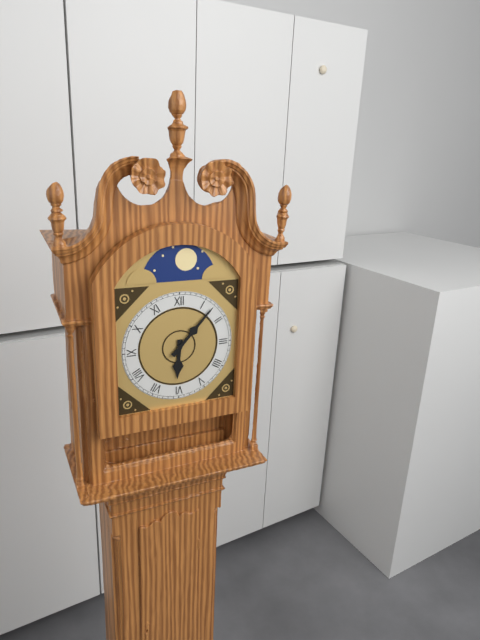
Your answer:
6:07
